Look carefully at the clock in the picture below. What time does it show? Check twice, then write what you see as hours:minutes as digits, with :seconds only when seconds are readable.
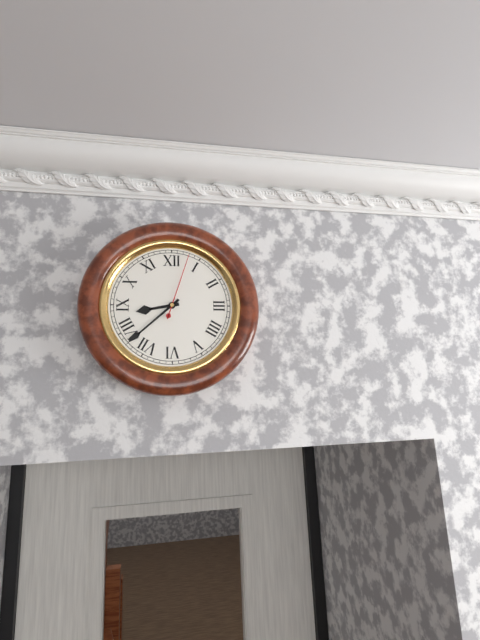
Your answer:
8:38:03
